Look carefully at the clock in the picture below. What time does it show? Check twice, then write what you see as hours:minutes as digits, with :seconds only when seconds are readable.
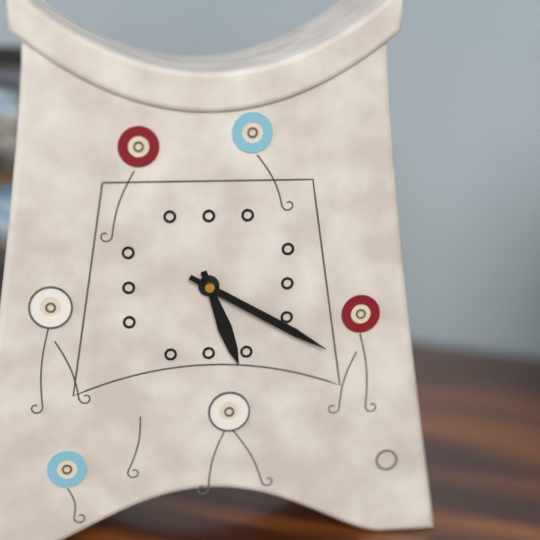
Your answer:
5:20
